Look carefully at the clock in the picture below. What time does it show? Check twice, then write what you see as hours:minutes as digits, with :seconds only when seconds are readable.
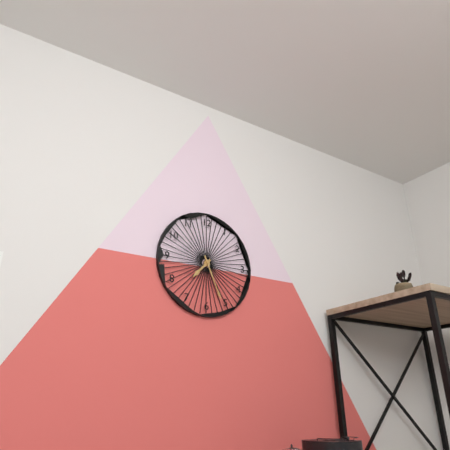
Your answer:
7:26
